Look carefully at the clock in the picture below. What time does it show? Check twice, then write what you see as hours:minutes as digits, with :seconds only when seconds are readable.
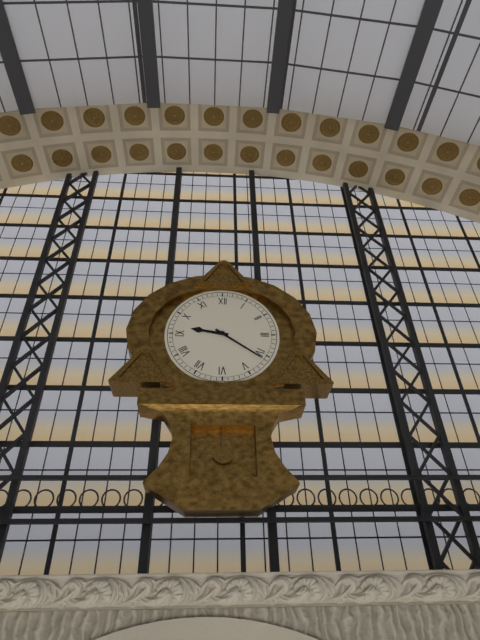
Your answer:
9:21
